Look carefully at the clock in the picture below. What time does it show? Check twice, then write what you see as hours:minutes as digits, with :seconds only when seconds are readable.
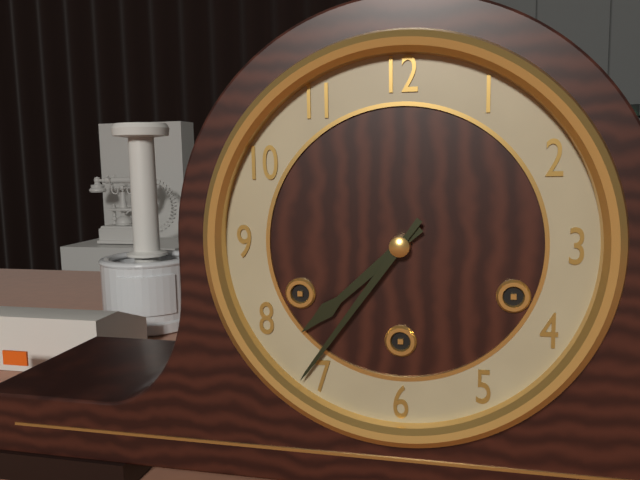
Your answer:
7:36
